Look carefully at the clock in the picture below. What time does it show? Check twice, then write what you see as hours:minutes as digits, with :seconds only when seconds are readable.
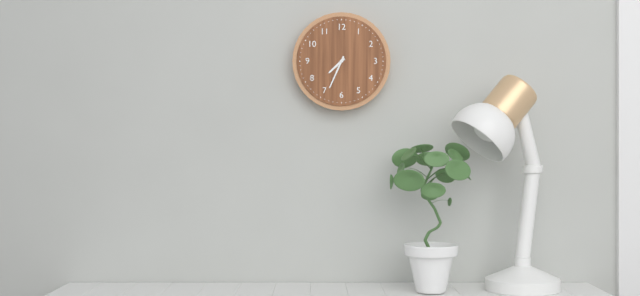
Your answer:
7:34
